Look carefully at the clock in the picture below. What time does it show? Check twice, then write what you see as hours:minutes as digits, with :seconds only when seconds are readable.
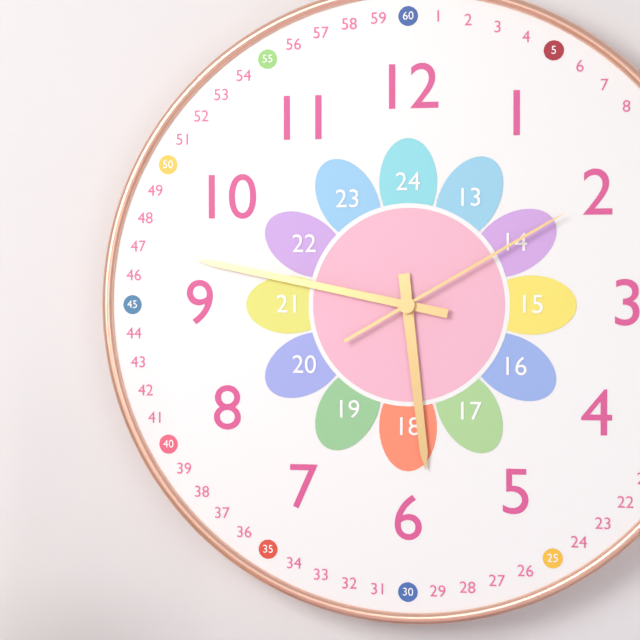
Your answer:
5:47:10
